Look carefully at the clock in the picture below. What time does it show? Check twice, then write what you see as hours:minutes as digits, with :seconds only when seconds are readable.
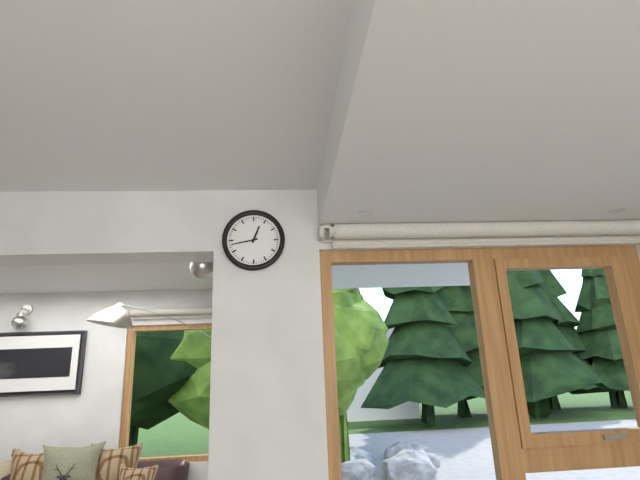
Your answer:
12:43
